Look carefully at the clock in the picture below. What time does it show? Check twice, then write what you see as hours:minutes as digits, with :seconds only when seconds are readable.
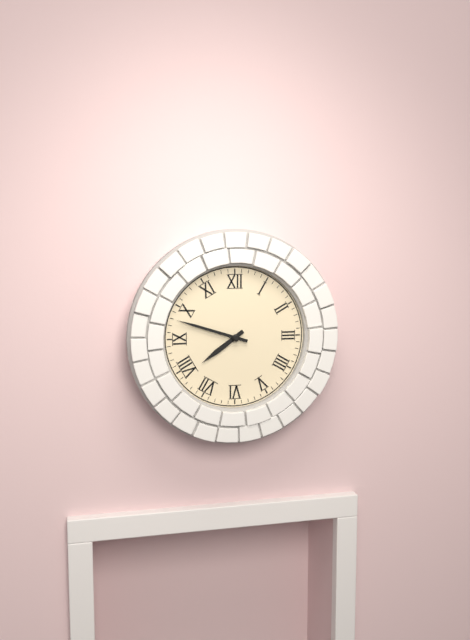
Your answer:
7:48
